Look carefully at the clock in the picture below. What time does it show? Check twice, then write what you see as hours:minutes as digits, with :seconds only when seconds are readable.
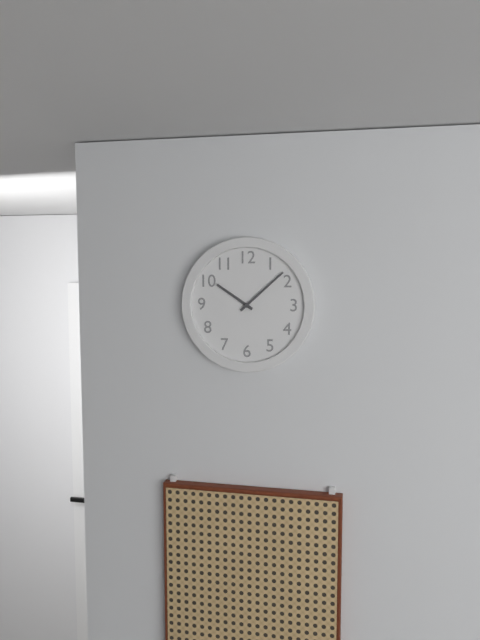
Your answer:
10:08
